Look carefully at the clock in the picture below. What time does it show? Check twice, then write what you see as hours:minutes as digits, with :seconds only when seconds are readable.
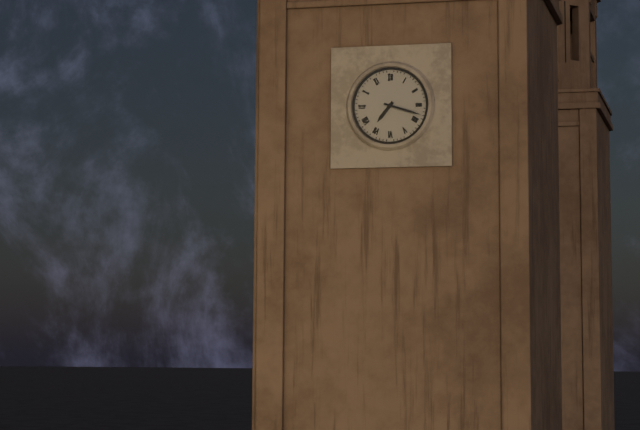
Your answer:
7:18
